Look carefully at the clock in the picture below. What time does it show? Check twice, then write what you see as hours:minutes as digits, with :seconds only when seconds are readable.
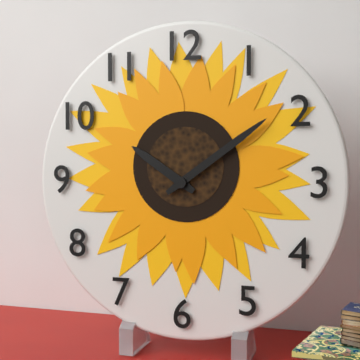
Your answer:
10:09
